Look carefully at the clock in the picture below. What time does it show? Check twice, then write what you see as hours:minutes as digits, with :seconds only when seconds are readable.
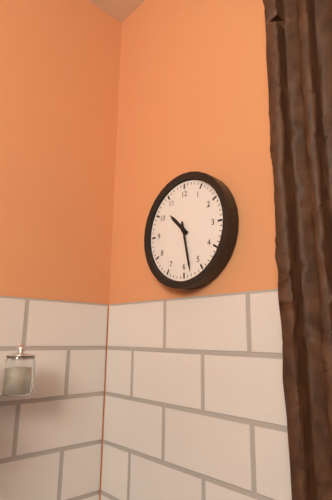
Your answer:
10:28
